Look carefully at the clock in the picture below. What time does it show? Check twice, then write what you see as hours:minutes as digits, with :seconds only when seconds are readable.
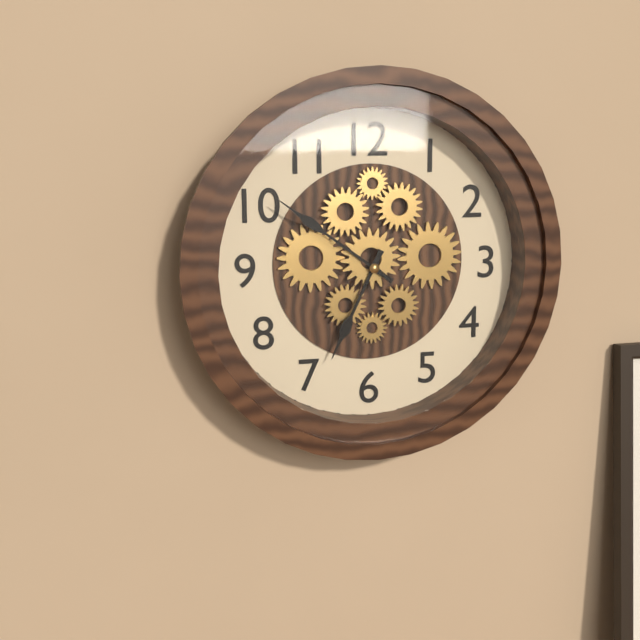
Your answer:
6:51
